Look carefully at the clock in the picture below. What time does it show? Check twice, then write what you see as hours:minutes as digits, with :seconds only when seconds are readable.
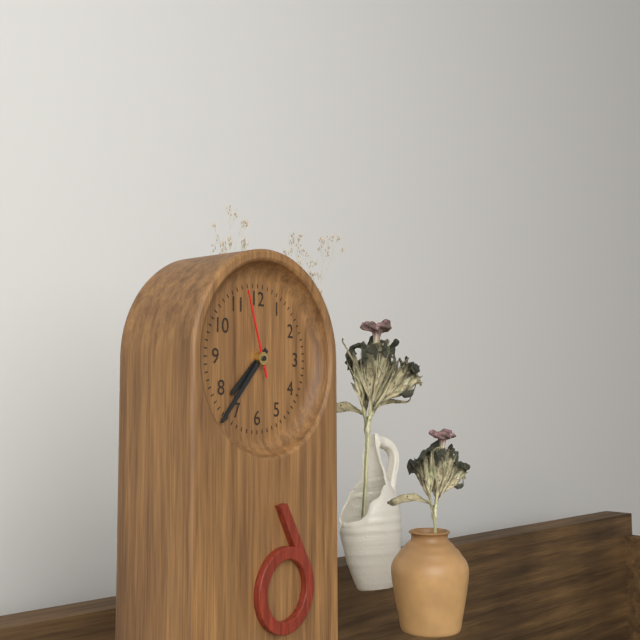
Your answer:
7:37:57
